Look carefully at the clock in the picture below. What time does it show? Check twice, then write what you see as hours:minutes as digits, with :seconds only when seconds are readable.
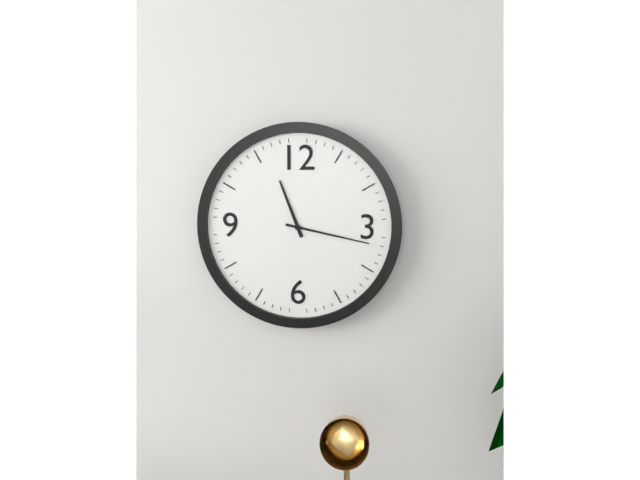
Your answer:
11:17
